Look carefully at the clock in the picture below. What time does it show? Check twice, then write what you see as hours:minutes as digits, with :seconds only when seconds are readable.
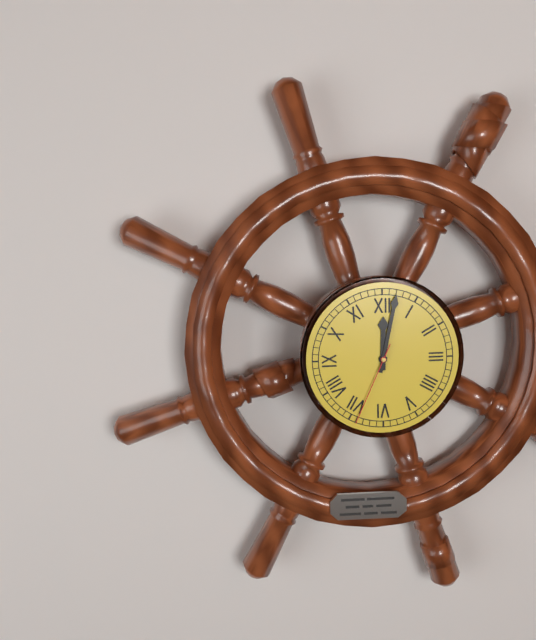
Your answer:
12:02:34
